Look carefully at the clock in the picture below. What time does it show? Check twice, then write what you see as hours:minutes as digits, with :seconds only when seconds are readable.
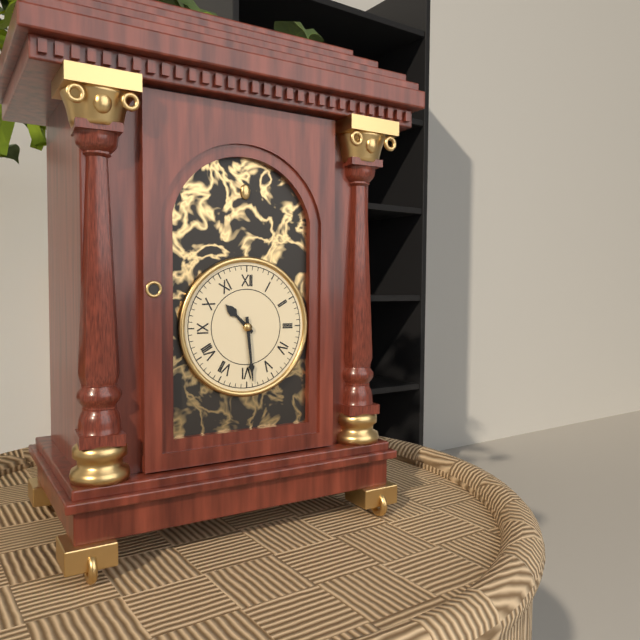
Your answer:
10:29
